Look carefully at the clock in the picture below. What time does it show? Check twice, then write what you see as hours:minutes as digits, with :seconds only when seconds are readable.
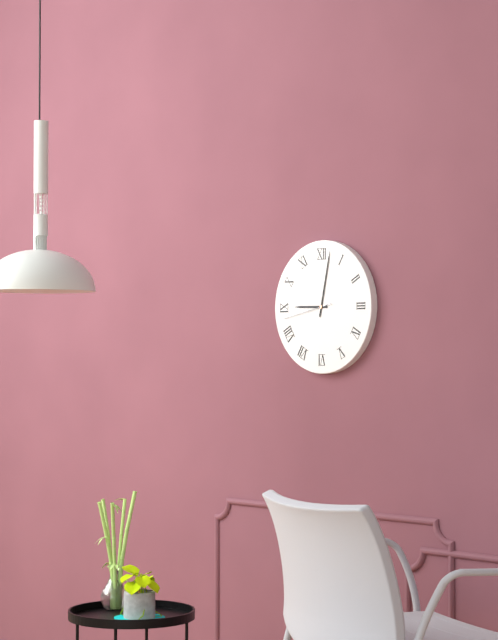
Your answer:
9:02
